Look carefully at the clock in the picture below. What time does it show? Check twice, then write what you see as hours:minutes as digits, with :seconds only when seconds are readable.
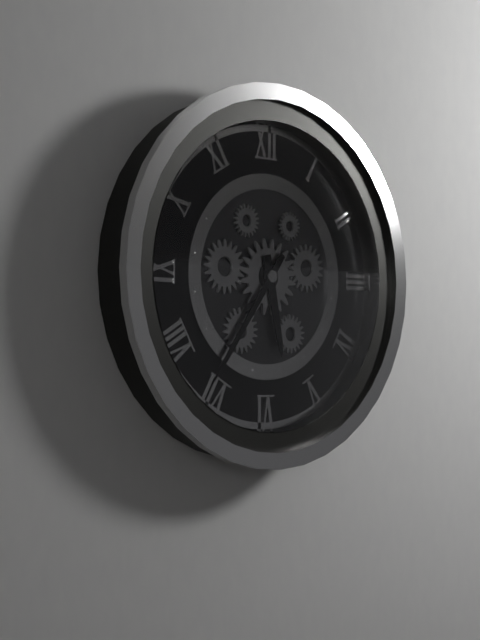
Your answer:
5:36
